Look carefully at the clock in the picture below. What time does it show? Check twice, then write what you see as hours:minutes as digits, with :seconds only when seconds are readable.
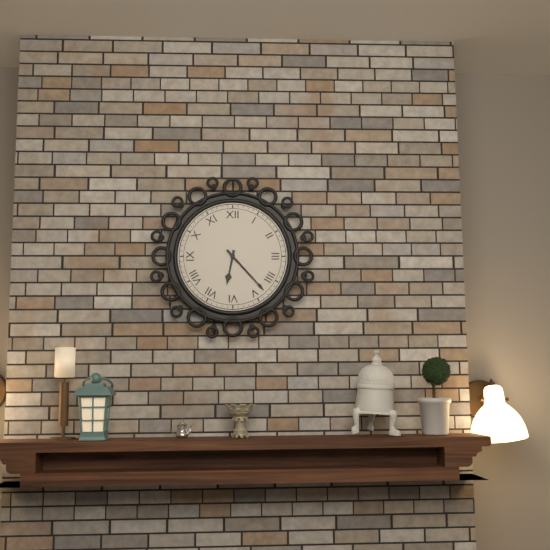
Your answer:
6:23
